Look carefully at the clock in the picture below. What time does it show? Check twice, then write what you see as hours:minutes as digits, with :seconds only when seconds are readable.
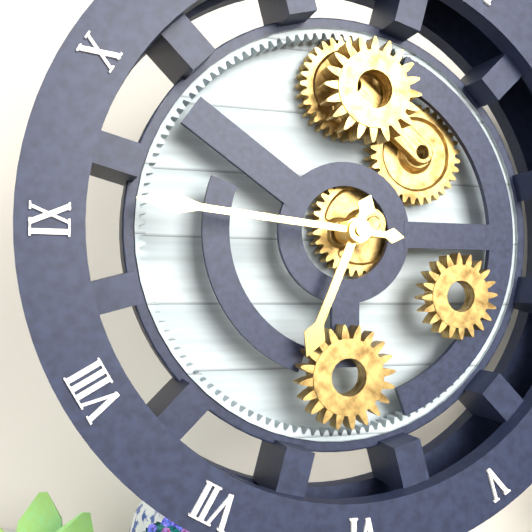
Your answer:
6:46
